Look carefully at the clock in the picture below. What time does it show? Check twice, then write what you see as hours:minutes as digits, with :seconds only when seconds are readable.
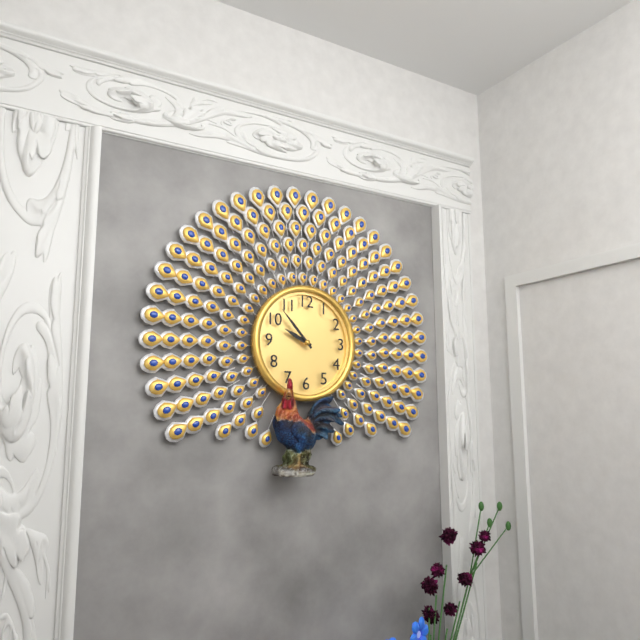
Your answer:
9:53
